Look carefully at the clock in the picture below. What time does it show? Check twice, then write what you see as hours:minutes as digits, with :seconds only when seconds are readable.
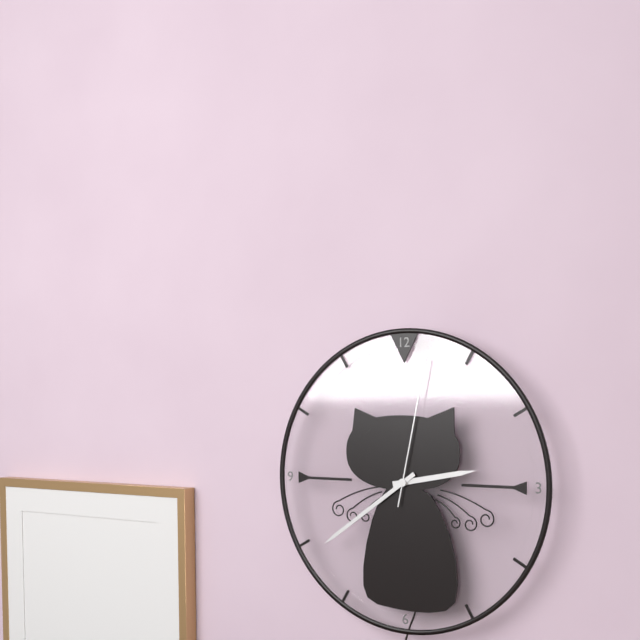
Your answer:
2:39:02
